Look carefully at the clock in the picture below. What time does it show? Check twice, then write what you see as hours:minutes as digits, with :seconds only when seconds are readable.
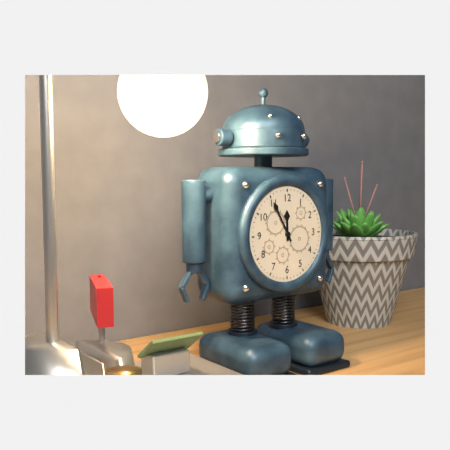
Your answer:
11:55
